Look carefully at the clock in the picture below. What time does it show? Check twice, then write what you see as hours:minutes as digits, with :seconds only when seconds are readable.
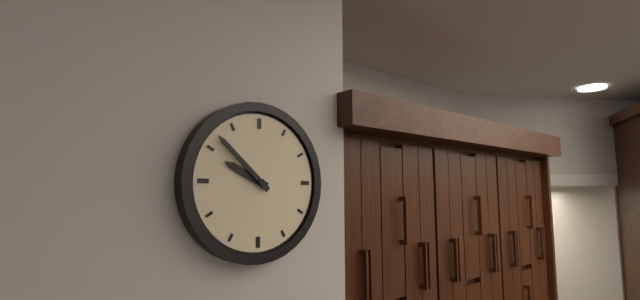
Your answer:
9:52
